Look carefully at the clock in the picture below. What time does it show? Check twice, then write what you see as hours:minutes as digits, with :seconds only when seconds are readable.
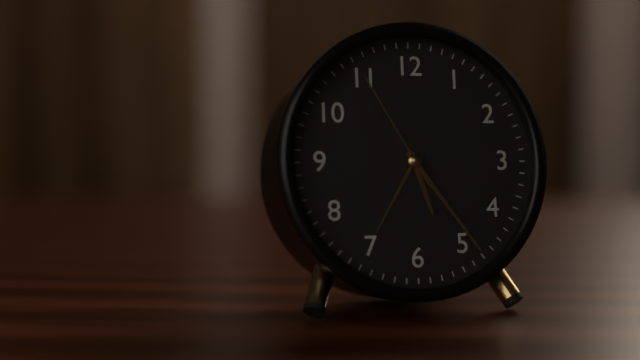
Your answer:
5:24:55
